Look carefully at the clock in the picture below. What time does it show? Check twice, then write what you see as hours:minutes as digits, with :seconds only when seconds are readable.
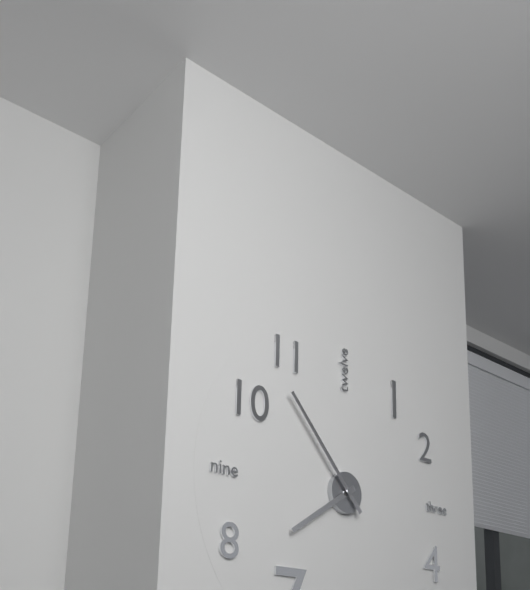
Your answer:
7:53
